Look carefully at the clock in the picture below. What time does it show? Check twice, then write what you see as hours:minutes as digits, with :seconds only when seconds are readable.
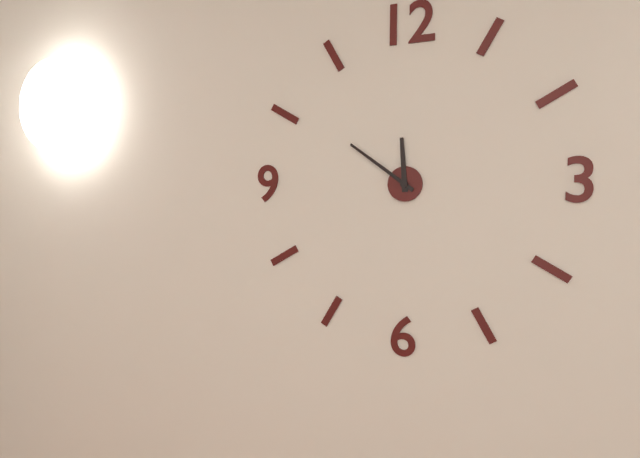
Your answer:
11:51
